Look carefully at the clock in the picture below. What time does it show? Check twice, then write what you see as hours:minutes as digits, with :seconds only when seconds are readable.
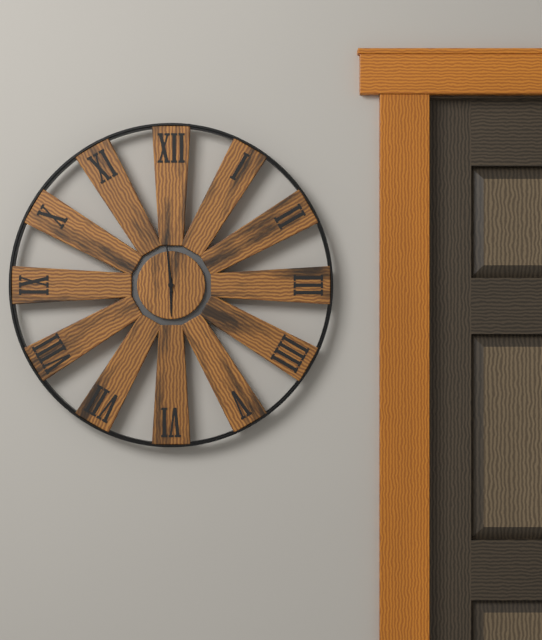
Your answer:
5:59
